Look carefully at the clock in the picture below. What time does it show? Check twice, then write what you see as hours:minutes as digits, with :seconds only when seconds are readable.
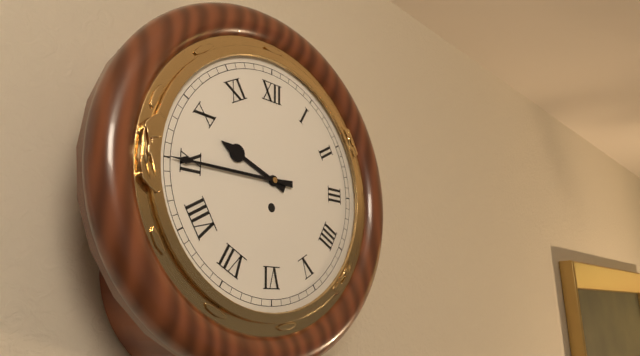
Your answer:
9:45
